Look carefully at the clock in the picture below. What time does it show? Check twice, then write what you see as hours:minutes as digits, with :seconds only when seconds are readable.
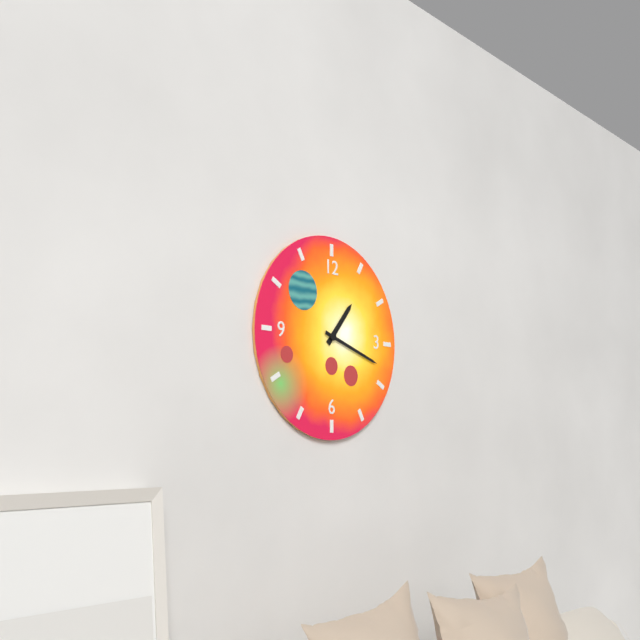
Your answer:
1:18
